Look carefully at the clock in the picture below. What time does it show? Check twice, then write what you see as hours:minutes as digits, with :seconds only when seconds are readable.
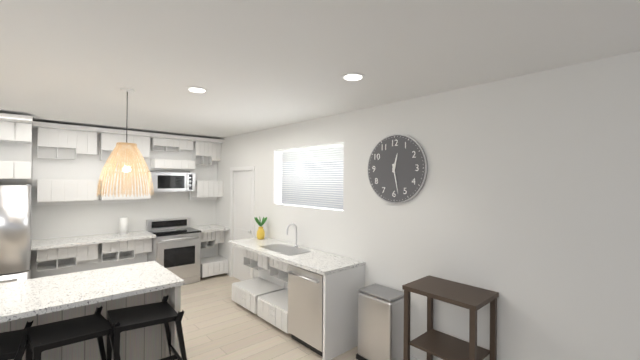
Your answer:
12:28
